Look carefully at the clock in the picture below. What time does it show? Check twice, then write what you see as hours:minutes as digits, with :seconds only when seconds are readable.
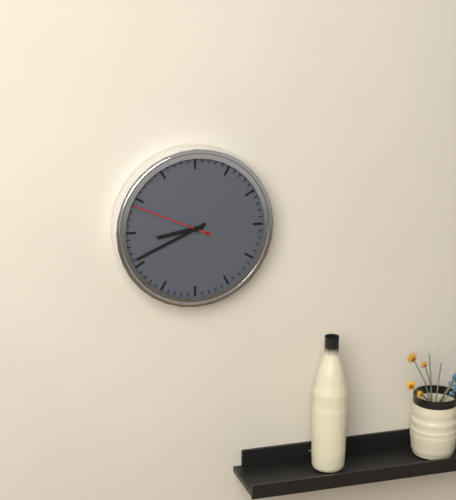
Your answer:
8:41:49
